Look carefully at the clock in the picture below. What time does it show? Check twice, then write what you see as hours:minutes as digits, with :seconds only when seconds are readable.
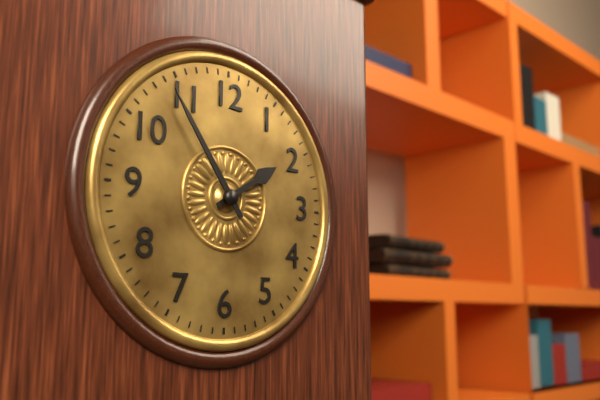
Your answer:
1:54
